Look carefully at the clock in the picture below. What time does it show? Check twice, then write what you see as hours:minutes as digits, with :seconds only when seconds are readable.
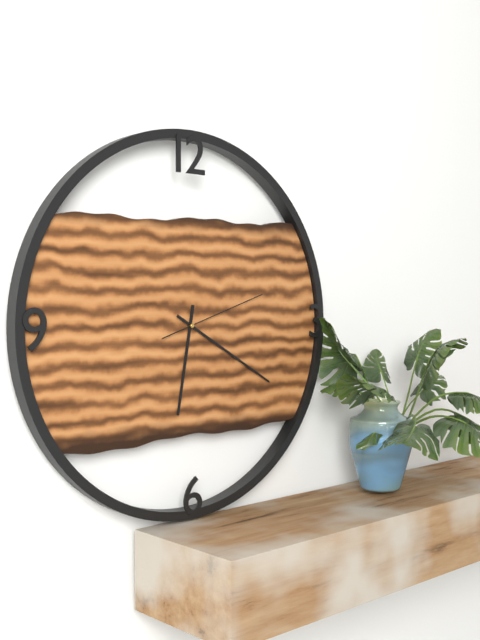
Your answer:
6:20:12
